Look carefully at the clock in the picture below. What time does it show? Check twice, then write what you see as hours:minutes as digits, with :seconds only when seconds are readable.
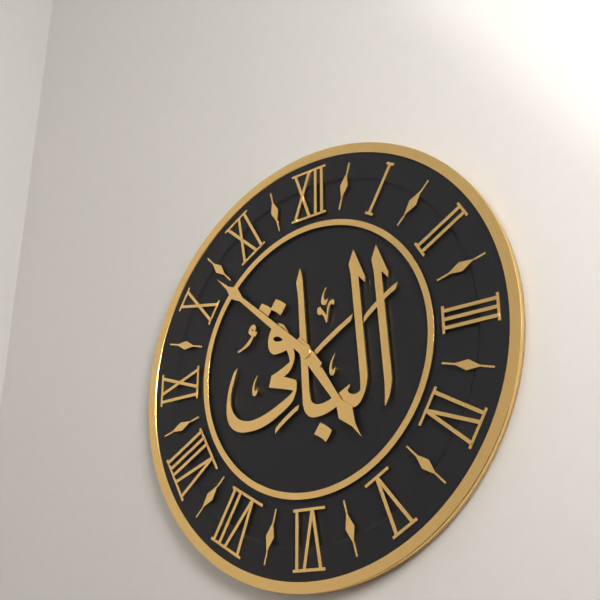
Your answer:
4:52
